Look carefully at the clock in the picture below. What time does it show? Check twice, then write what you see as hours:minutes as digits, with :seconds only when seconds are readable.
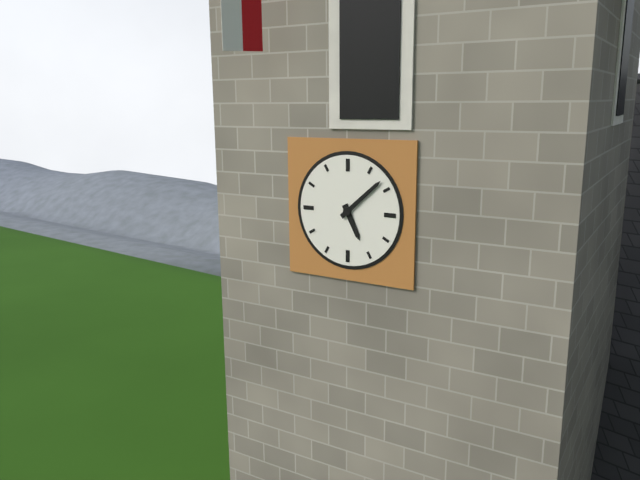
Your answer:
5:08
